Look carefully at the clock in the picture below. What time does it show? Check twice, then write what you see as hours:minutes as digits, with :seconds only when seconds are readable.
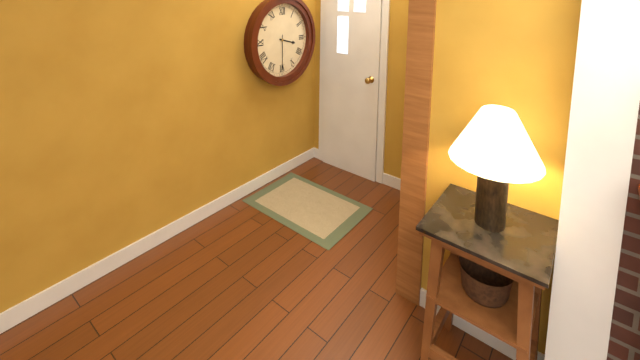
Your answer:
3:30
